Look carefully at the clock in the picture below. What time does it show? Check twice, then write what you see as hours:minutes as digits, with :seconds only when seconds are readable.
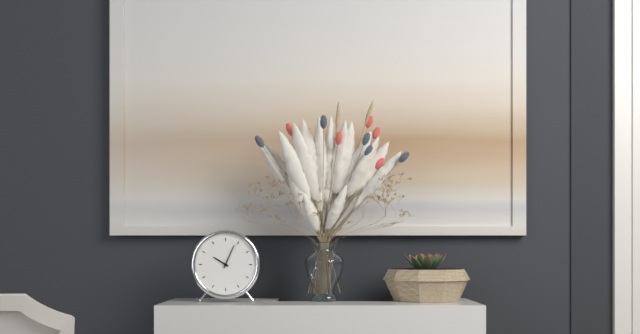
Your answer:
10:04
